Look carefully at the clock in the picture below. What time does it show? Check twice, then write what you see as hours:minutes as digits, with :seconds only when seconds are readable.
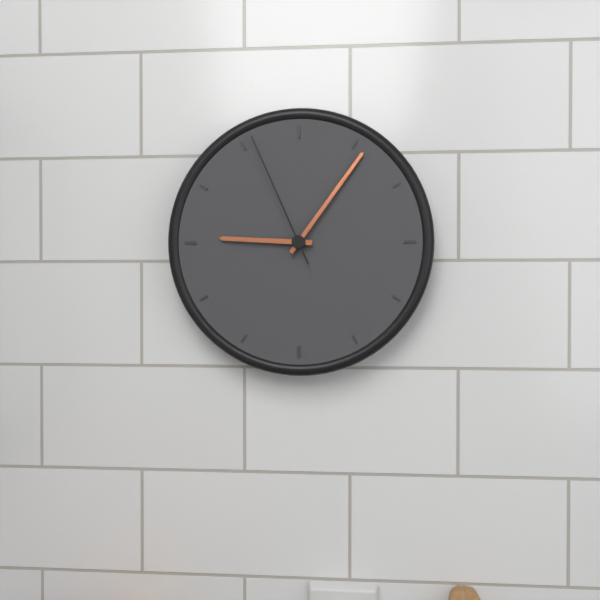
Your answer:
9:06:56
